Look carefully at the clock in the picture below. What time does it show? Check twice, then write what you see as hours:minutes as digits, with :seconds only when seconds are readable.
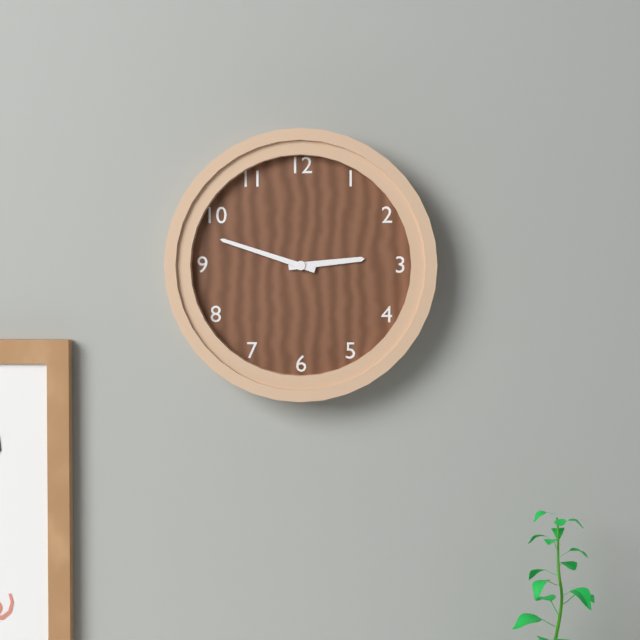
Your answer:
2:48
